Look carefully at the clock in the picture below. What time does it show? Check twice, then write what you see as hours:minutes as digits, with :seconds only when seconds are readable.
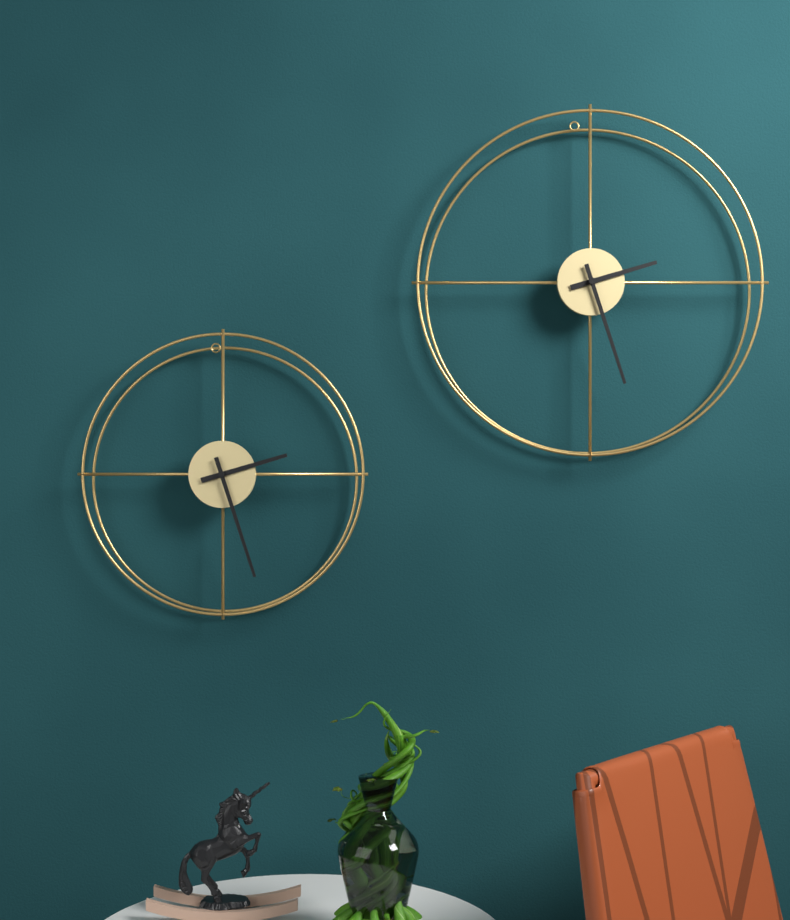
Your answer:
2:27
